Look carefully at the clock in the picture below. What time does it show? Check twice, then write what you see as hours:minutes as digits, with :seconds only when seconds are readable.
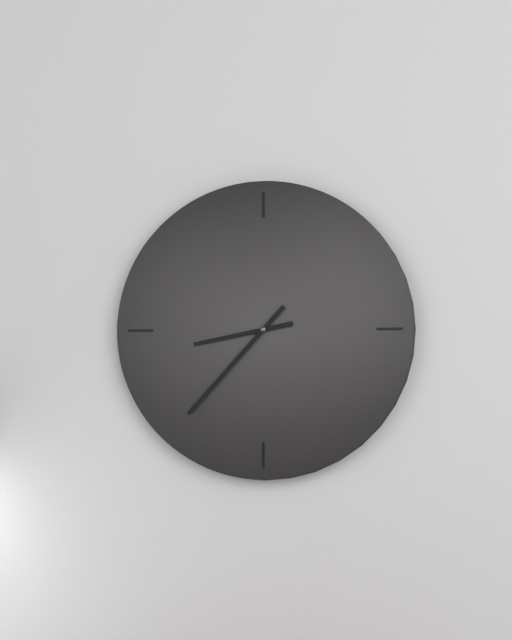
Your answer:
8:37
